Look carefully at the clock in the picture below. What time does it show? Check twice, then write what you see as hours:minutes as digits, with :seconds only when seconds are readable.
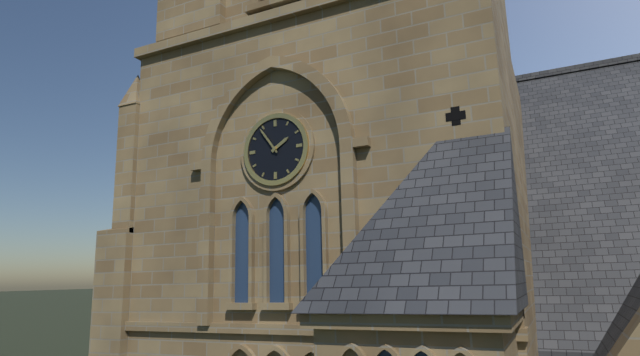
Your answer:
1:54
